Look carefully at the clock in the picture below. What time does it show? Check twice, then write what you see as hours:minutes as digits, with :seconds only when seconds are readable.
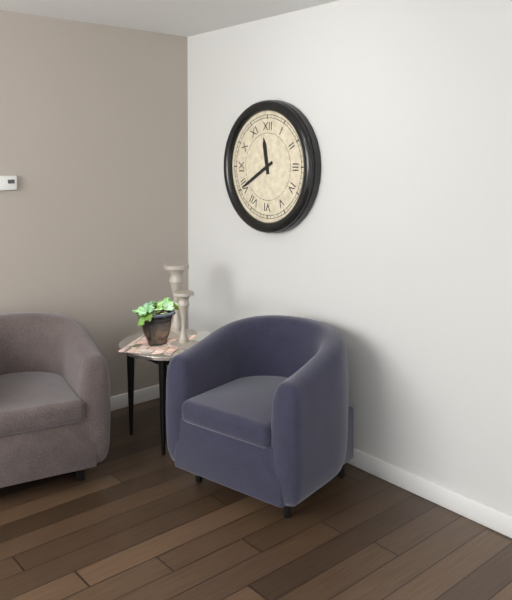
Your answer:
11:40
